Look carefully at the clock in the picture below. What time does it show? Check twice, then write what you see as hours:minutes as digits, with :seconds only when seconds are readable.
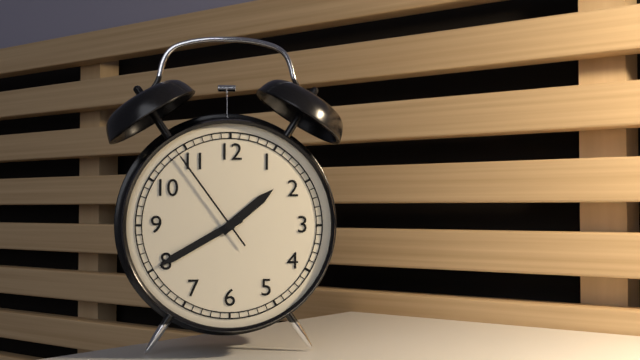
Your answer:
1:40:54
